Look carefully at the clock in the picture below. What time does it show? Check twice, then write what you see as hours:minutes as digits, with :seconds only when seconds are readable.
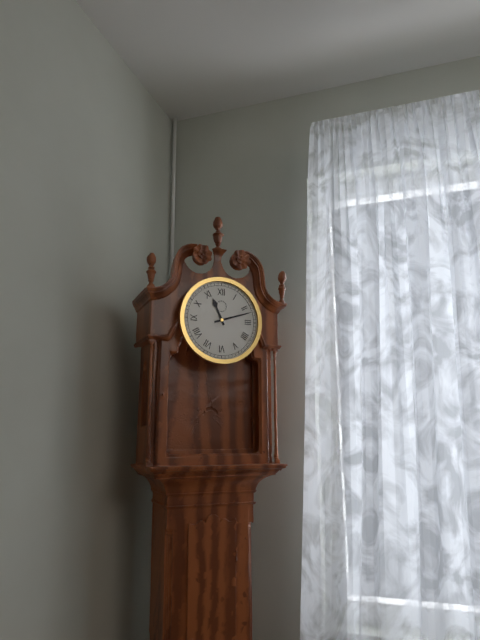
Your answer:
11:12
